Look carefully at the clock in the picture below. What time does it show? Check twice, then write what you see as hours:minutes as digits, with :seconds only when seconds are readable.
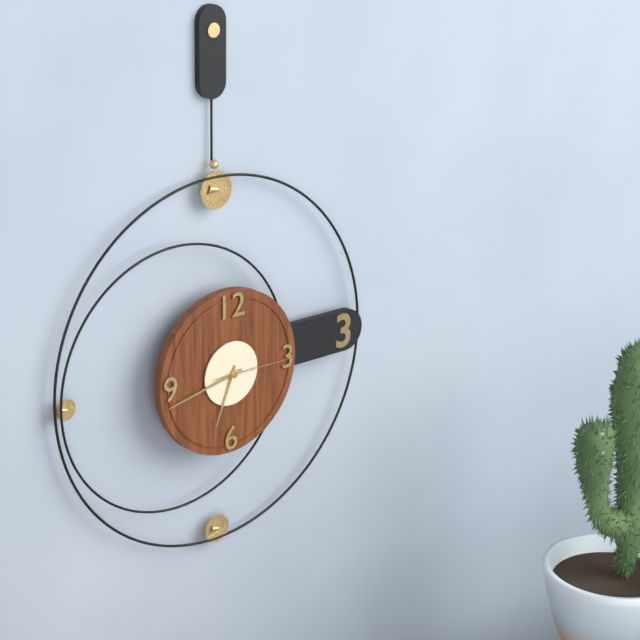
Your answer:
6:43:15
